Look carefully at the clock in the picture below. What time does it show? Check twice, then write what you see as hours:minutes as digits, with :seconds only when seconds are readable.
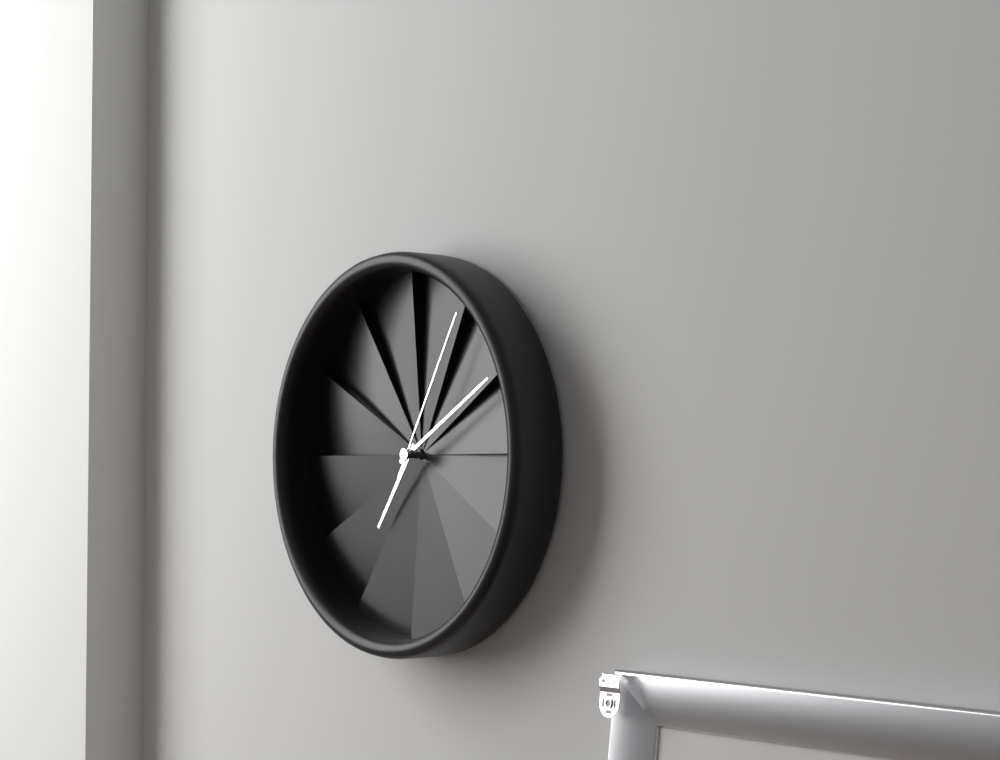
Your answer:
7:10:05
